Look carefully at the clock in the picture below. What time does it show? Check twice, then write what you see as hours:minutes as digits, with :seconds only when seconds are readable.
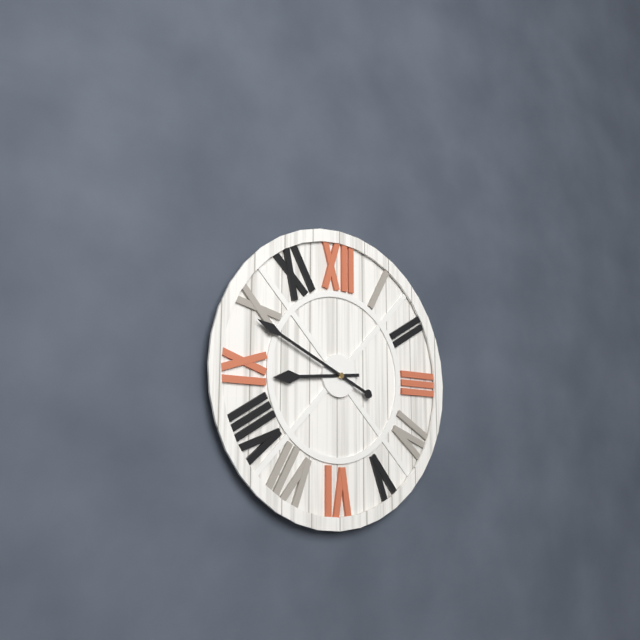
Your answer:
8:49
